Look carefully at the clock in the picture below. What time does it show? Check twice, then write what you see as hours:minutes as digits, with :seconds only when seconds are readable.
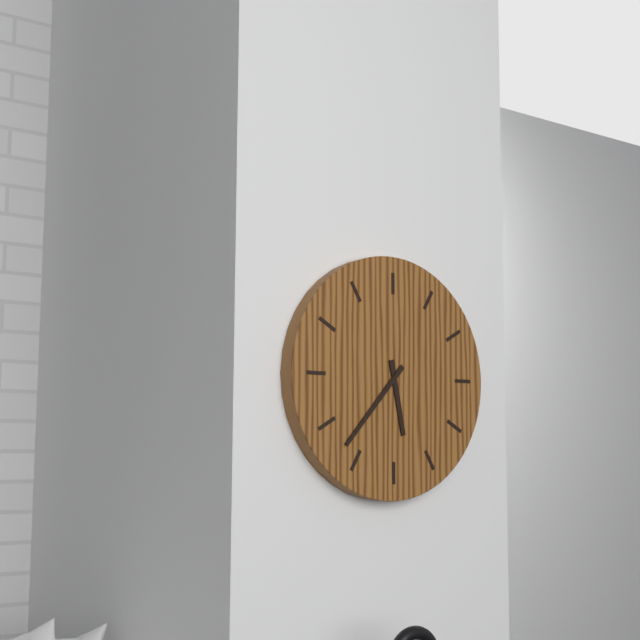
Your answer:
5:37
